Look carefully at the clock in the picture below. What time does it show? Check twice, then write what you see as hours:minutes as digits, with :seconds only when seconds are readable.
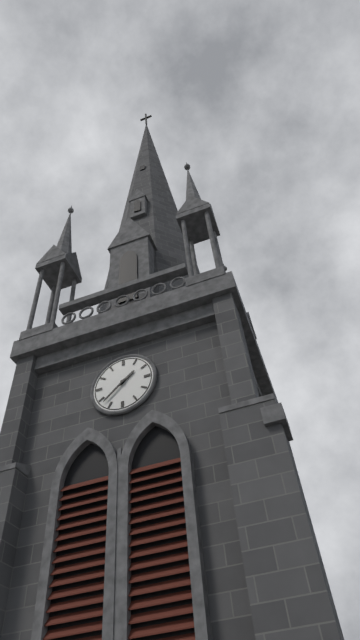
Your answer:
1:38
